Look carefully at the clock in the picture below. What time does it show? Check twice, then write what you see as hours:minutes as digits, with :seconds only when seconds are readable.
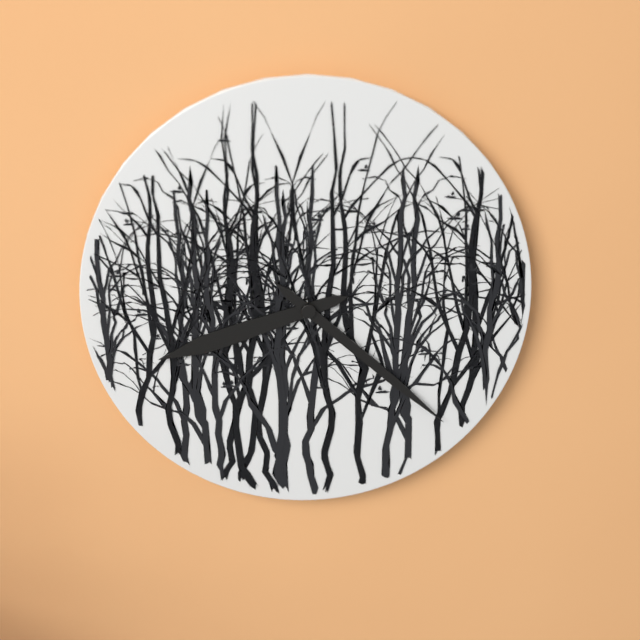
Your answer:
8:22
